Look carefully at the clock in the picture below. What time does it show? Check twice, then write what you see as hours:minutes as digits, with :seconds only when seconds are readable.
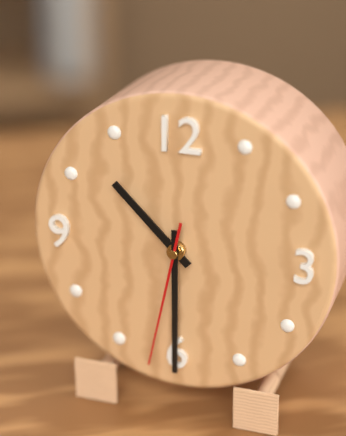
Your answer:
10:30:32
